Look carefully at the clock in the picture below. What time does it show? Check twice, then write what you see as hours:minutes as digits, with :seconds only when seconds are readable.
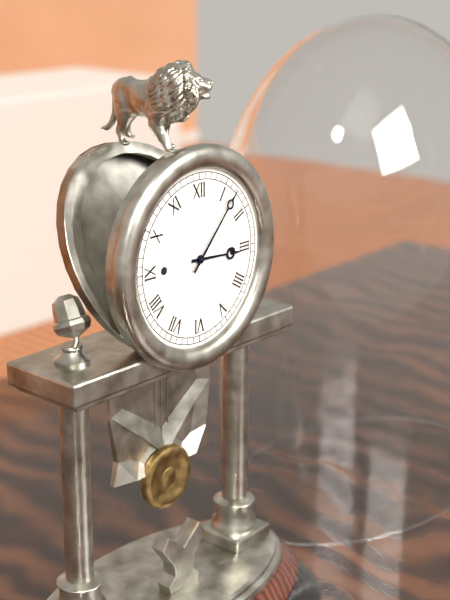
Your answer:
3:07
